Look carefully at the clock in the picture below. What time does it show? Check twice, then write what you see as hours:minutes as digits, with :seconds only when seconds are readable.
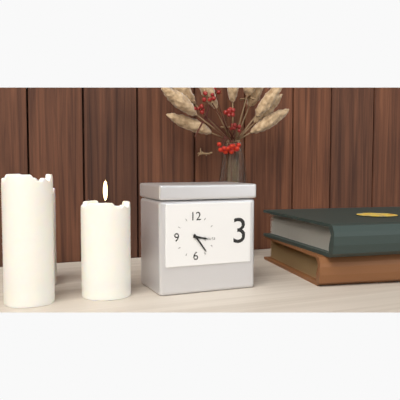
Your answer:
3:24
